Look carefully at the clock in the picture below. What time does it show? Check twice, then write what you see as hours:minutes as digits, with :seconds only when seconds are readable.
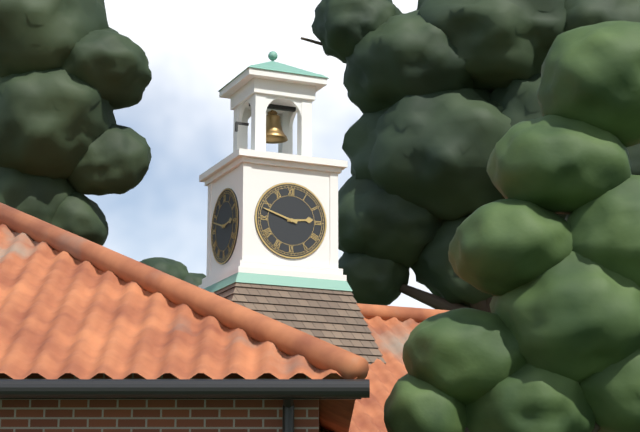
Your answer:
2:48
